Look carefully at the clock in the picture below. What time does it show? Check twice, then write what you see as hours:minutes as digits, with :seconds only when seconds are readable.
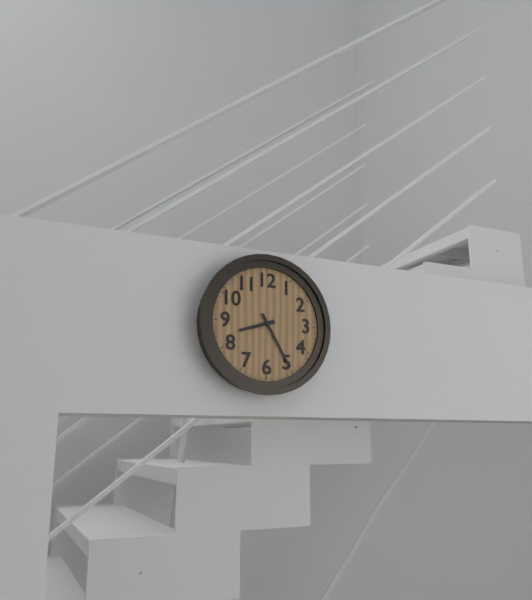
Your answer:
8:25
